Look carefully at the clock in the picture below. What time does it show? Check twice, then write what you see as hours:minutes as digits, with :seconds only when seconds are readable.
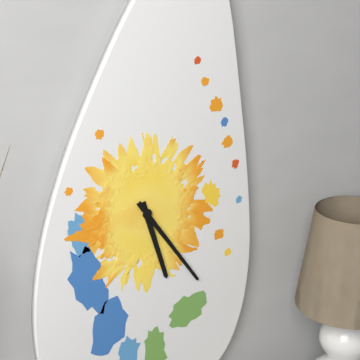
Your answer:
5:24
